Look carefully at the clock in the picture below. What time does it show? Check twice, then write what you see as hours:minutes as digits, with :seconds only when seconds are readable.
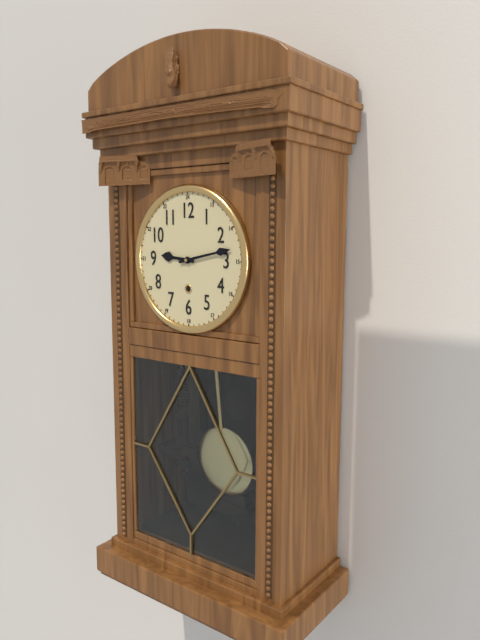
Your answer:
9:13
